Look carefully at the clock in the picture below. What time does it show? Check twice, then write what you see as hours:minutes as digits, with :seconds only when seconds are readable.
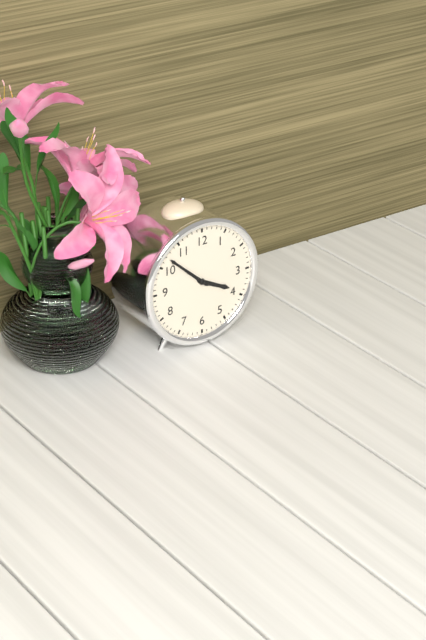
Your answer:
3:52
